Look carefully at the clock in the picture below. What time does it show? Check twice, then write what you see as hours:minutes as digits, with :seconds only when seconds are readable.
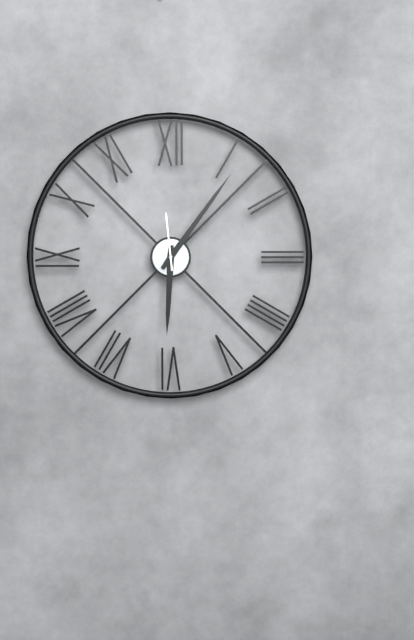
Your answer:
6:06:59
